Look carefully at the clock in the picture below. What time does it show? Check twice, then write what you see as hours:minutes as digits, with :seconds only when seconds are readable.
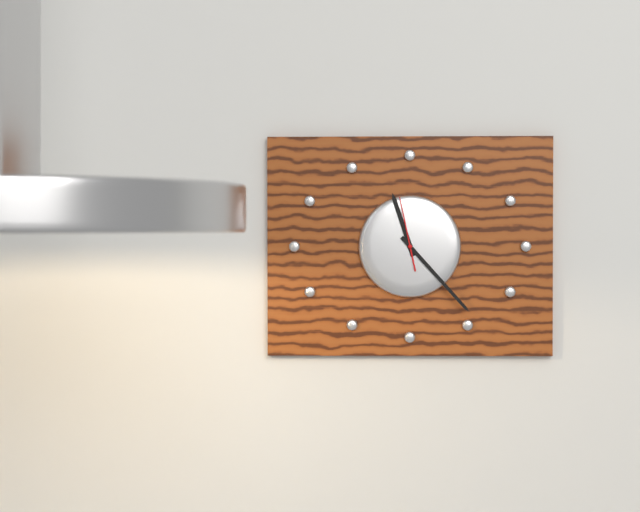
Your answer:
11:23:58
